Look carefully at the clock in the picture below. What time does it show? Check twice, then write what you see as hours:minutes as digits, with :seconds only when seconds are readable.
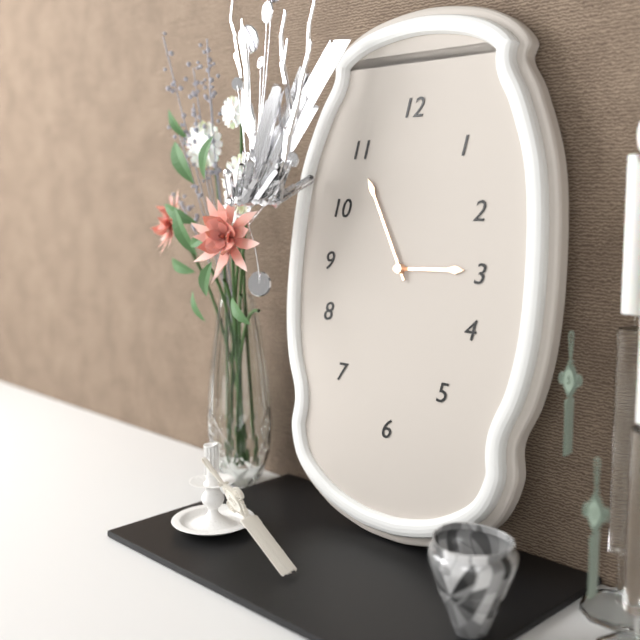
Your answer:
2:55
